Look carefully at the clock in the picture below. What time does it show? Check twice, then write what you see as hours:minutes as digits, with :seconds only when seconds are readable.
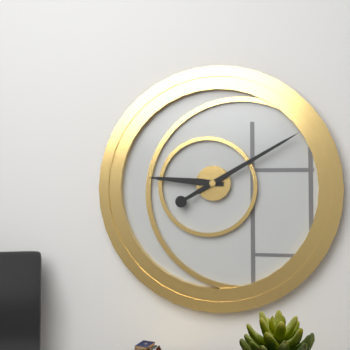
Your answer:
9:10
